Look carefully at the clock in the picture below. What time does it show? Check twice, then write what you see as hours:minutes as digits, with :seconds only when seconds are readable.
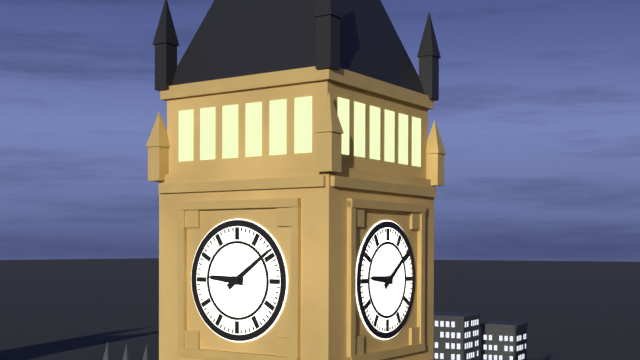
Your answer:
9:09
